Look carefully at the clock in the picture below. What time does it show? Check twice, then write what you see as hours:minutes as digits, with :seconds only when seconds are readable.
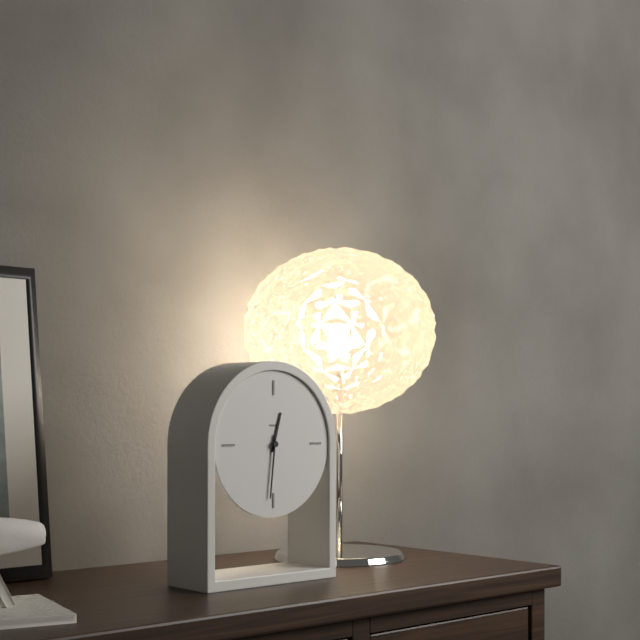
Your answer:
12:31
